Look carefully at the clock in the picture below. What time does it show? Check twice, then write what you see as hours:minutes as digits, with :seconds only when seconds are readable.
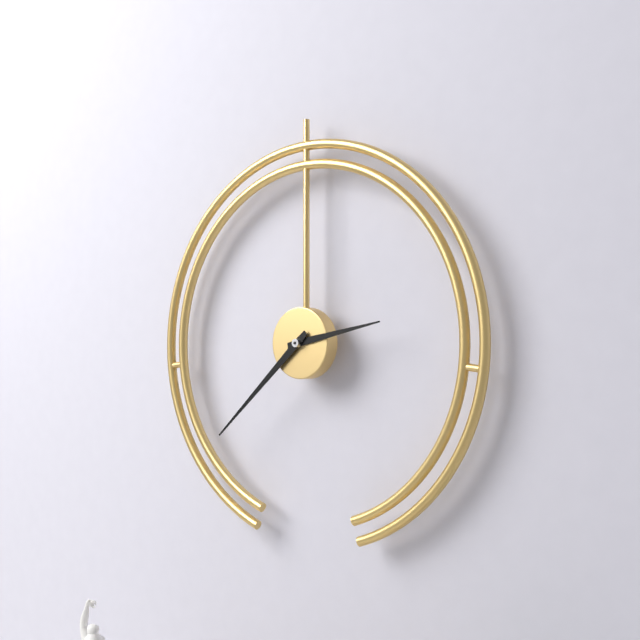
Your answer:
2:38
